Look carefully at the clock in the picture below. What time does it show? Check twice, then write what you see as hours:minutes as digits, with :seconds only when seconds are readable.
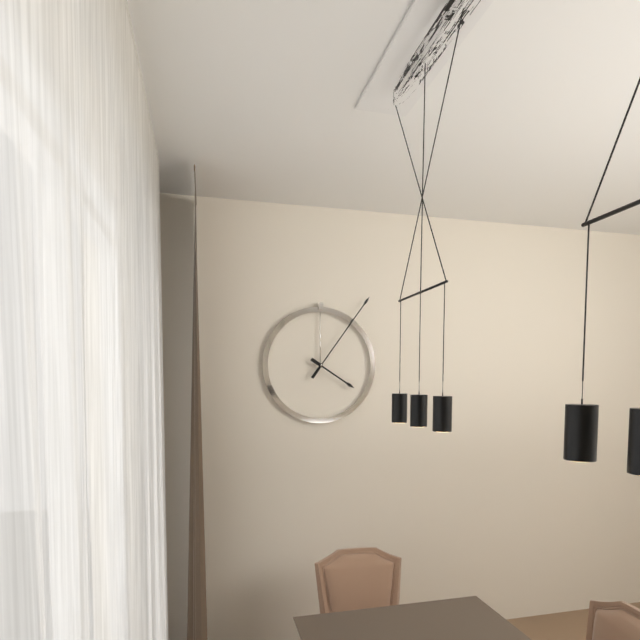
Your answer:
4:06
